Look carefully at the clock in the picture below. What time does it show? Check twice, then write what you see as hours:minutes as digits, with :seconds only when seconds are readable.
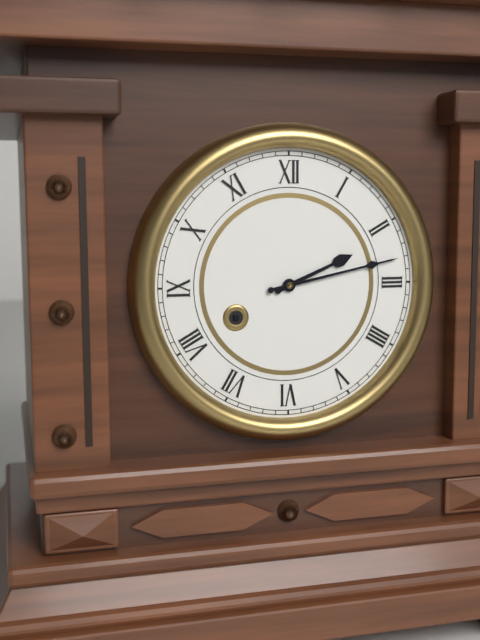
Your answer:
2:13
